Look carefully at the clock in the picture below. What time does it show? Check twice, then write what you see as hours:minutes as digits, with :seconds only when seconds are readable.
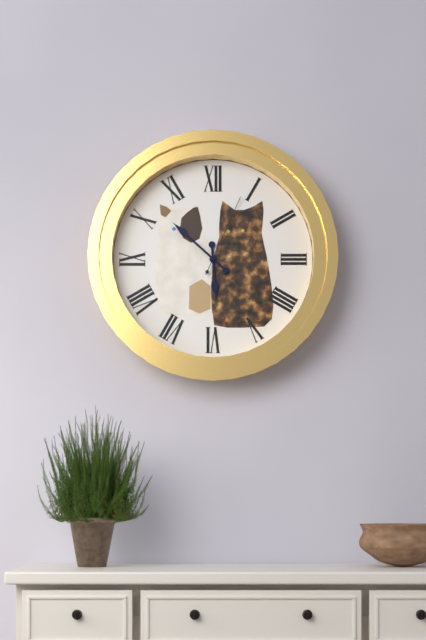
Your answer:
5:52:04
